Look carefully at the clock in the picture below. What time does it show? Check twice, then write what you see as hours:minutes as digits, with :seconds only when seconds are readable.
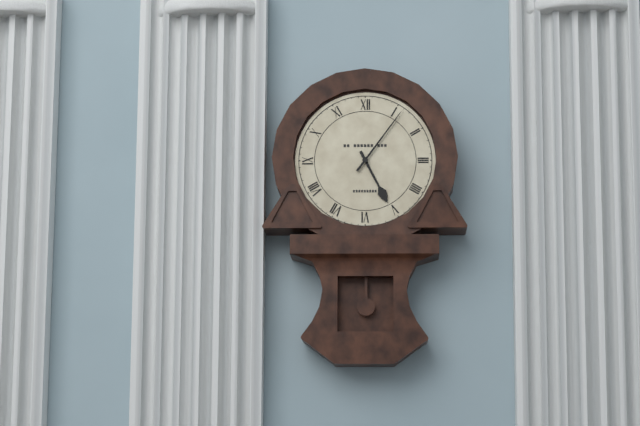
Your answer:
5:06
